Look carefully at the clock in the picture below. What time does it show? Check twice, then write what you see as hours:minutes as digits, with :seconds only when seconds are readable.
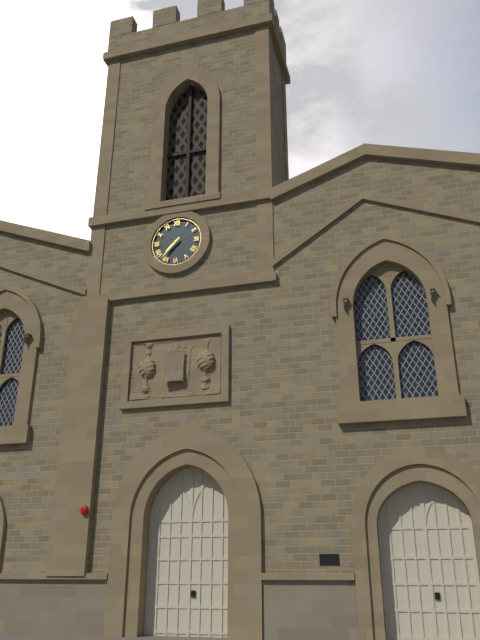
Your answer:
7:37
